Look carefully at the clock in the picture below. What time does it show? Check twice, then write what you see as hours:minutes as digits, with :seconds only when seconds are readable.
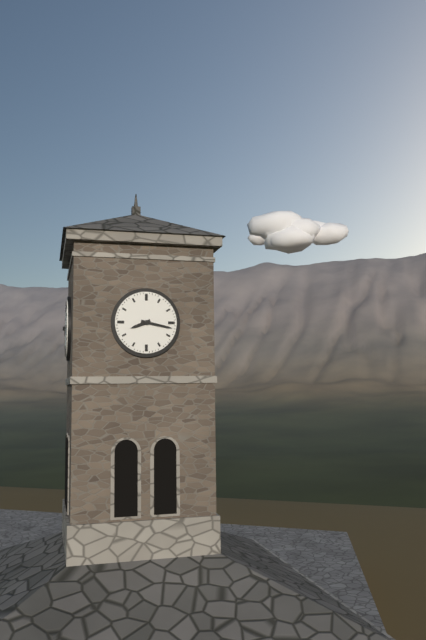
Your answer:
8:17
